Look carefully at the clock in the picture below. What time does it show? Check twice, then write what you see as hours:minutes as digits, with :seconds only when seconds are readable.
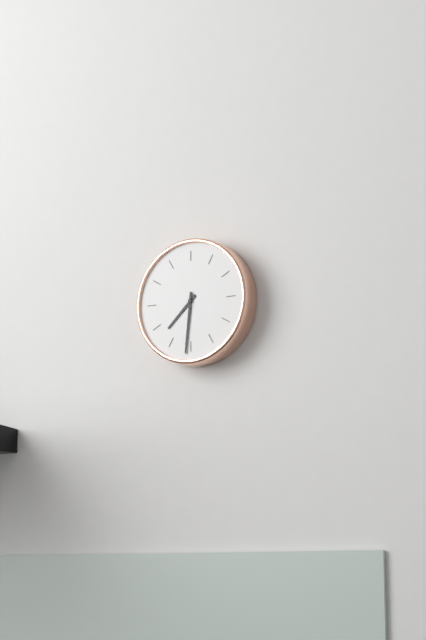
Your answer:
7:31
